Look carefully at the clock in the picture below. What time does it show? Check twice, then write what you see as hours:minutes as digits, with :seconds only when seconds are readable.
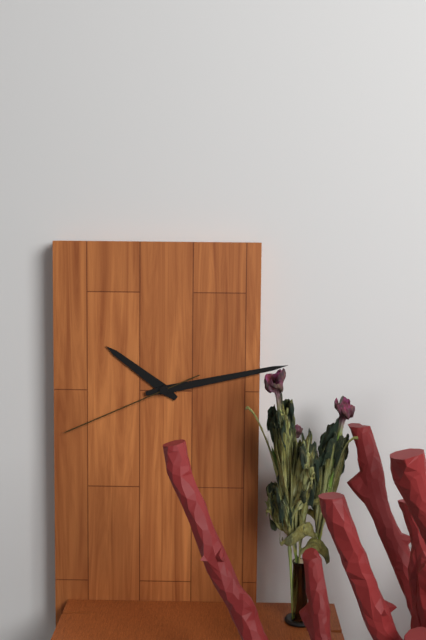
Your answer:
10:13:41
